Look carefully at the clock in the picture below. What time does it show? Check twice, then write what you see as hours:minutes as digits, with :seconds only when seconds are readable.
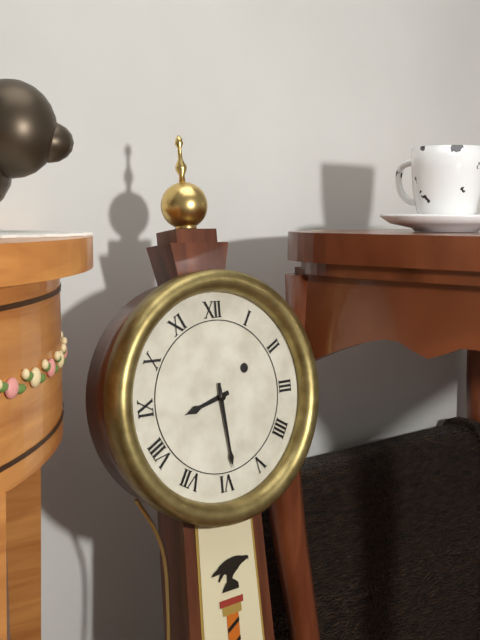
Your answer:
8:29
